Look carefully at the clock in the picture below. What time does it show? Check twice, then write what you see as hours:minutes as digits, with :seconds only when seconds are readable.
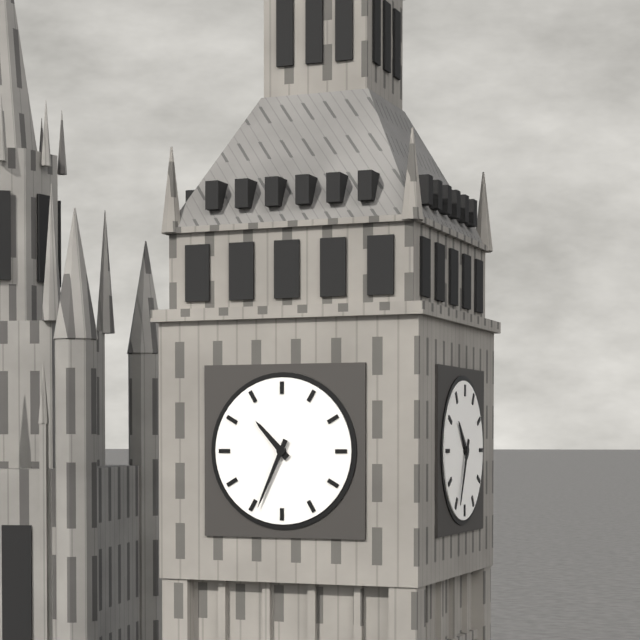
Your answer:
10:34
